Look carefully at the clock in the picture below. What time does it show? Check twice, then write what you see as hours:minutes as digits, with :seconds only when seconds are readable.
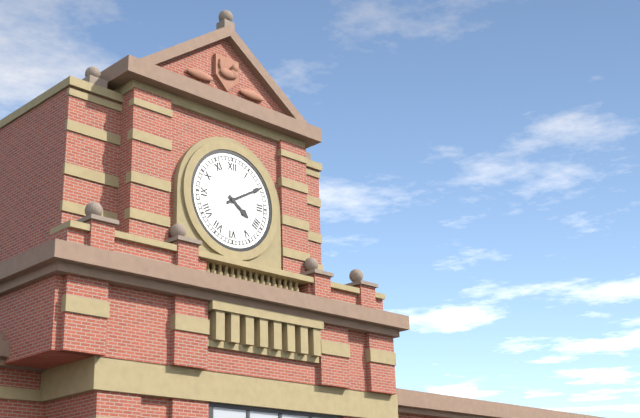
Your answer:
4:10
